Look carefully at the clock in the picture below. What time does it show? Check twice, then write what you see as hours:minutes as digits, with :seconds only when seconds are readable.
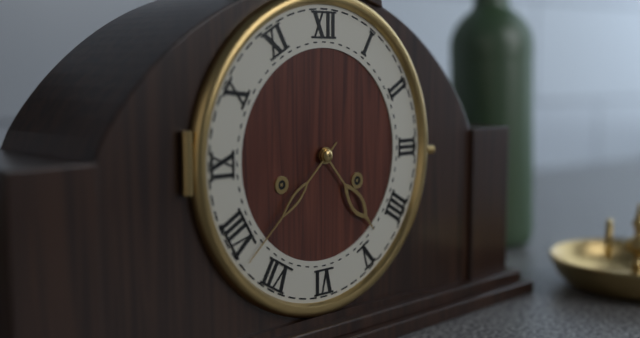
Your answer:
4:38
